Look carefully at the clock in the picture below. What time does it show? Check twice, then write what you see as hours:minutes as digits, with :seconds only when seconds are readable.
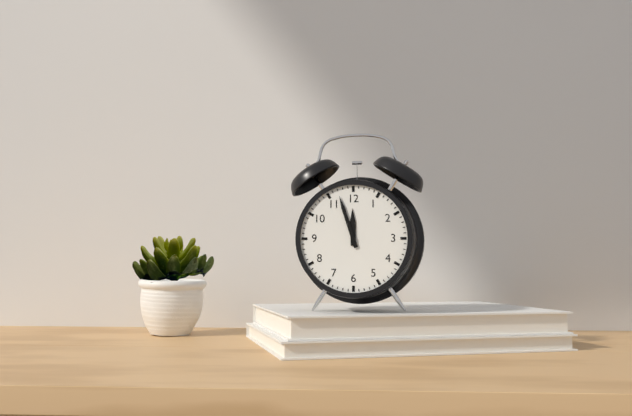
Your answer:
11:57
